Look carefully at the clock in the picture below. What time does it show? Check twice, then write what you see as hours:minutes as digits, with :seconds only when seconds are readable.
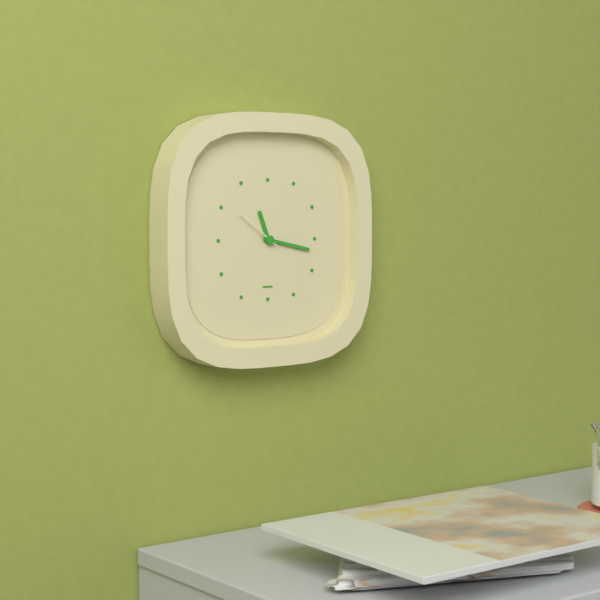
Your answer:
11:17
